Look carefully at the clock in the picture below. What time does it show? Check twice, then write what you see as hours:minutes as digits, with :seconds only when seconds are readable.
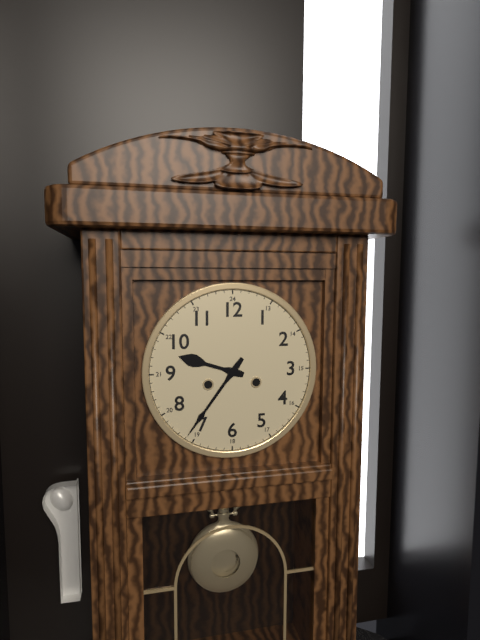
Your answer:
9:36
